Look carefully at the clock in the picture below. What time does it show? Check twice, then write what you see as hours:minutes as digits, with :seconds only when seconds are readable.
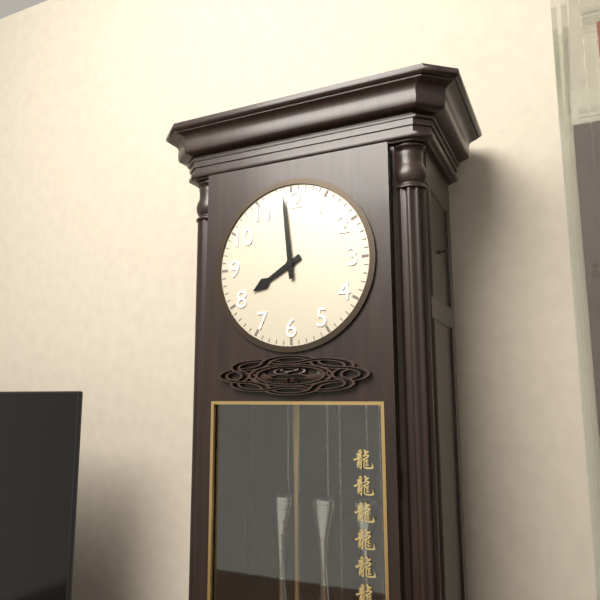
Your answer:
7:59
